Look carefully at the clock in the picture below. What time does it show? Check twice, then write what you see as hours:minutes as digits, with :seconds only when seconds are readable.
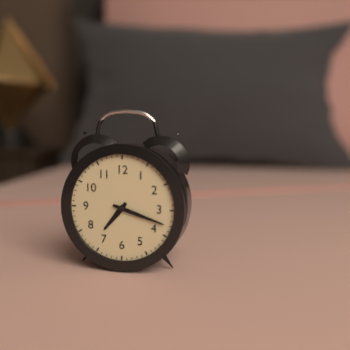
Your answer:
7:18
